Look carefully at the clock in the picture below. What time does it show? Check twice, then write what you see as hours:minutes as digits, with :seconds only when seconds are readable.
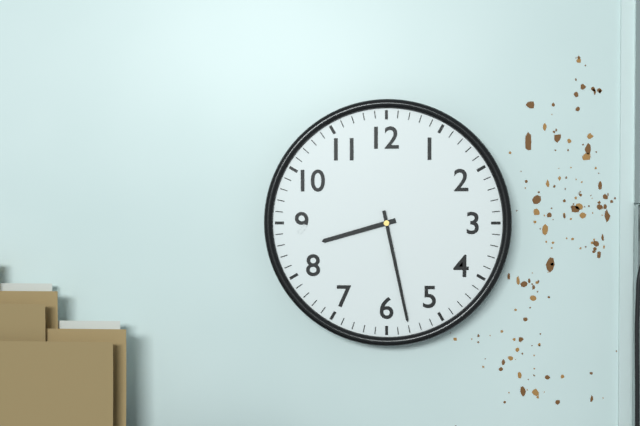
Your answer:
8:28
